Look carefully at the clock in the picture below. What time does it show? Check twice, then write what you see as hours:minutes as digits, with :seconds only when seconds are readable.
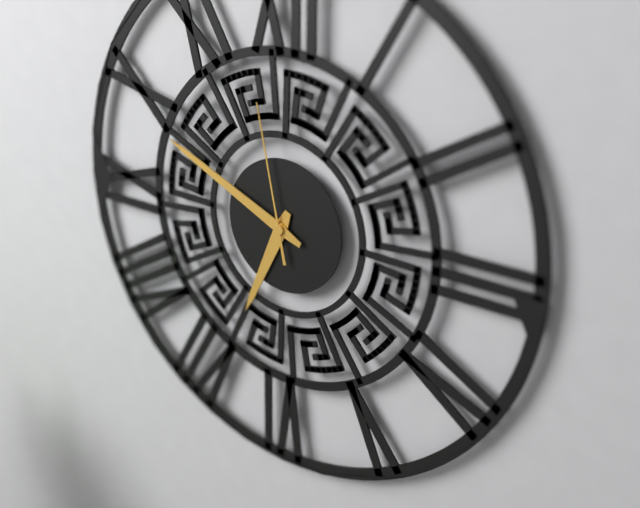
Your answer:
6:49:58
